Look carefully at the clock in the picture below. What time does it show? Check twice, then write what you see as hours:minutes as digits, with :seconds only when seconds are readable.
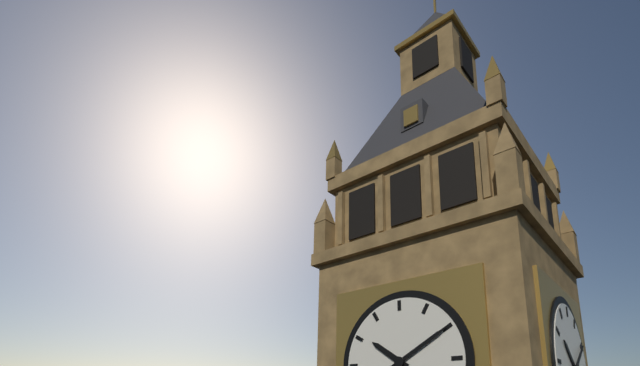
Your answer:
10:10
